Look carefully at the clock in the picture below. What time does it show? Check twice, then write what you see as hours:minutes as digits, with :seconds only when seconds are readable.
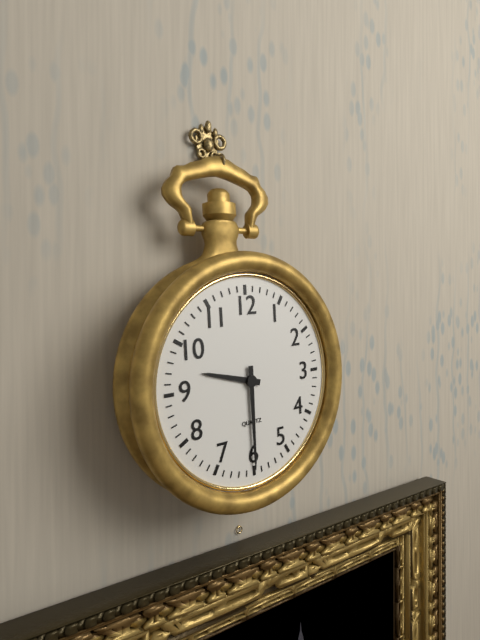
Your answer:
9:30
